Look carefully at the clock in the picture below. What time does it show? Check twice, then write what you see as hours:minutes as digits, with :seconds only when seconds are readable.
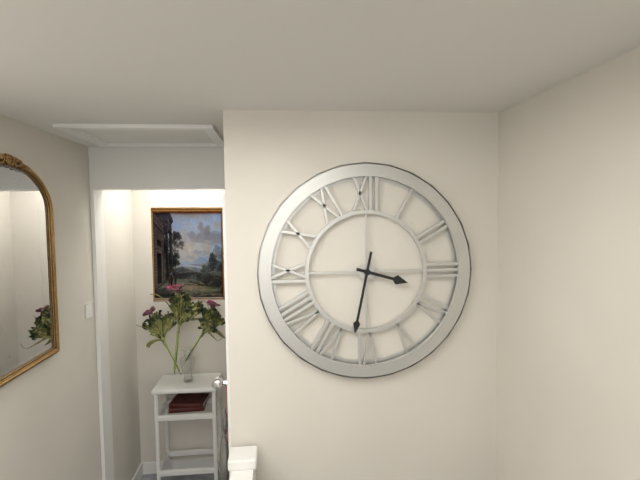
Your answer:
3:32
